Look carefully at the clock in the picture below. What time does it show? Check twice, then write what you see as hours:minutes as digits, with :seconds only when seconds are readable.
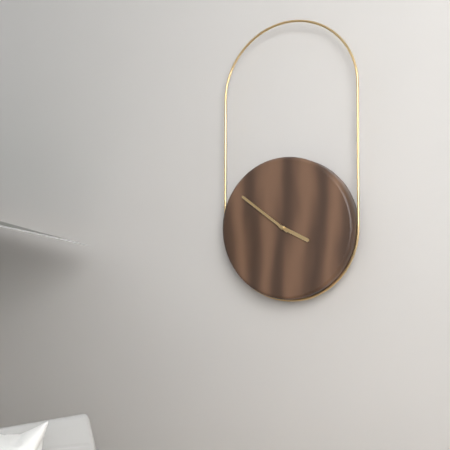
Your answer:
3:51
